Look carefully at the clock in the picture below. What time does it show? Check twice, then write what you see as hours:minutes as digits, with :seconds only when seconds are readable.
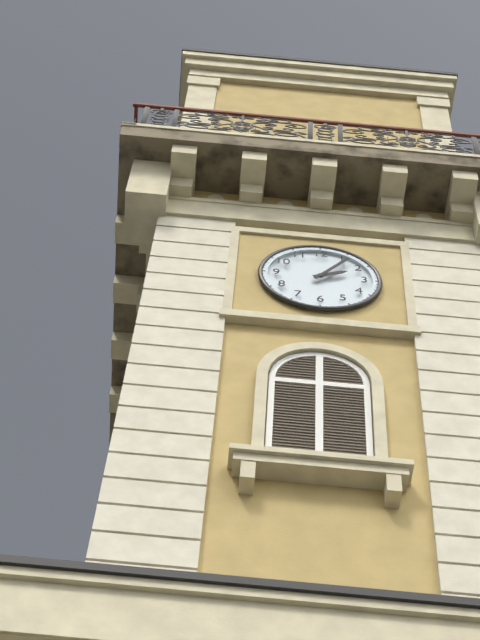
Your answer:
2:06
